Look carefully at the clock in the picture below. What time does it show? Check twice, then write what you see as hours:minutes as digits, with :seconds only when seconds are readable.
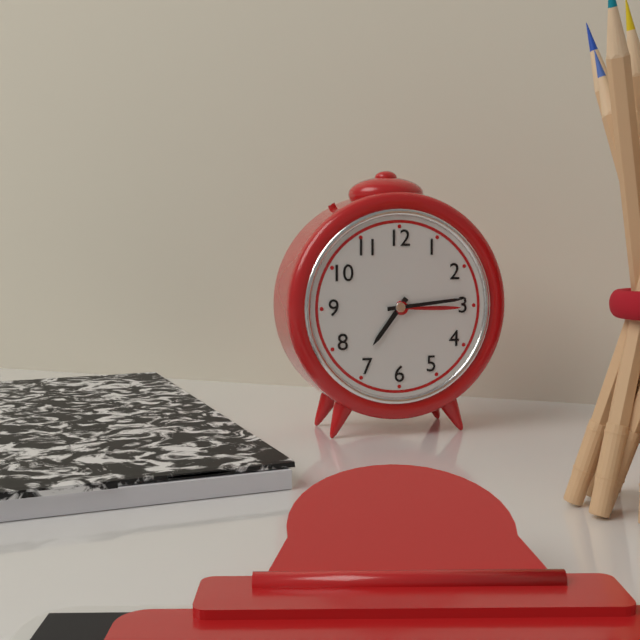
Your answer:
7:14
